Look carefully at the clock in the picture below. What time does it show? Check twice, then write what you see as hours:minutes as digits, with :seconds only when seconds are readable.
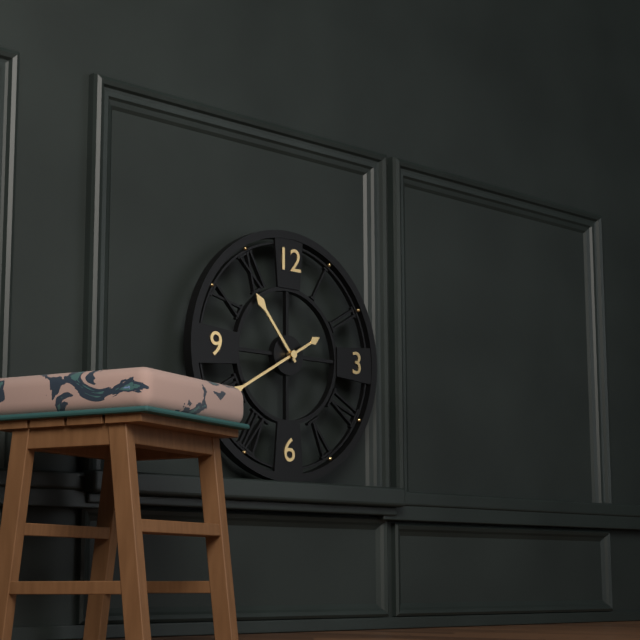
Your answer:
10:40
